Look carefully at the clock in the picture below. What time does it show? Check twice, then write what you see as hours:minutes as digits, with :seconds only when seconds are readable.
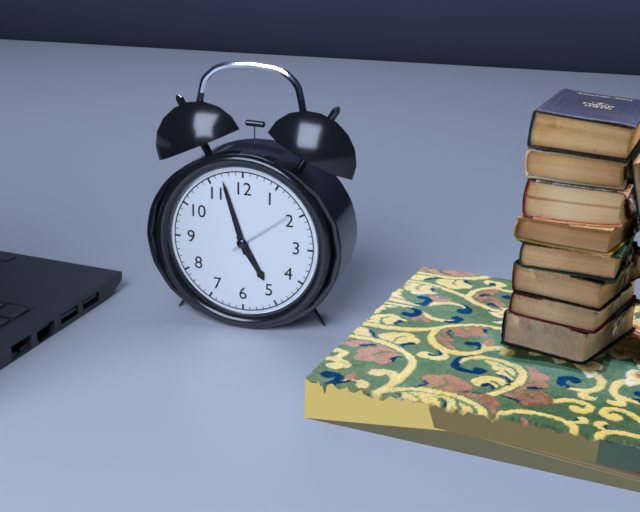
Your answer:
4:57:09
